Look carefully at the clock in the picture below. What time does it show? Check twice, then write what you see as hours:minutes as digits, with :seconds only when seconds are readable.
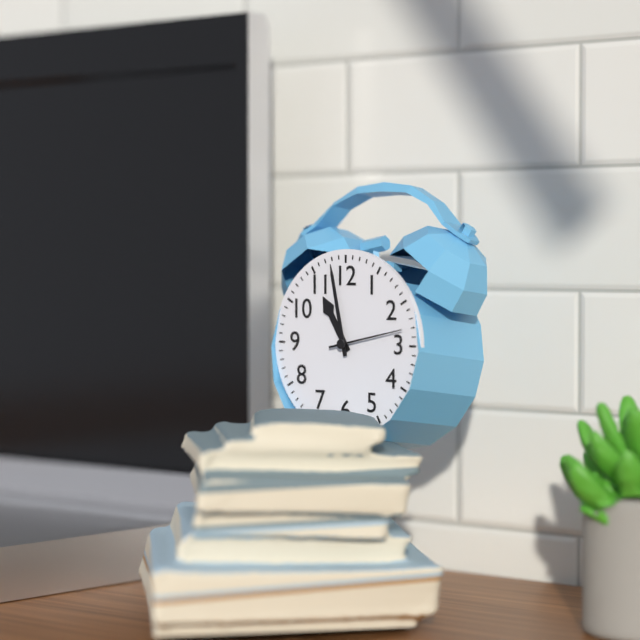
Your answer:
10:58:13
